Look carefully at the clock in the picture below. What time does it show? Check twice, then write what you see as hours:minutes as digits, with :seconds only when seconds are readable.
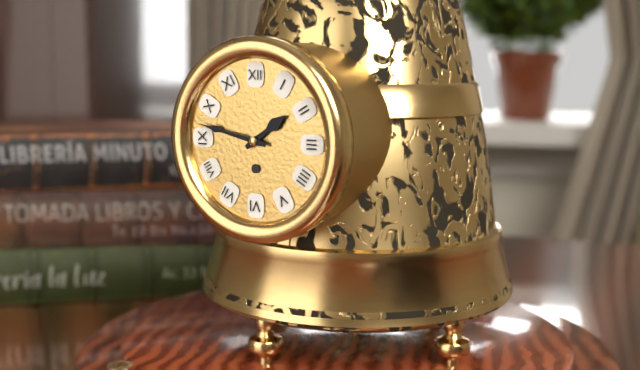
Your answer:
1:47
